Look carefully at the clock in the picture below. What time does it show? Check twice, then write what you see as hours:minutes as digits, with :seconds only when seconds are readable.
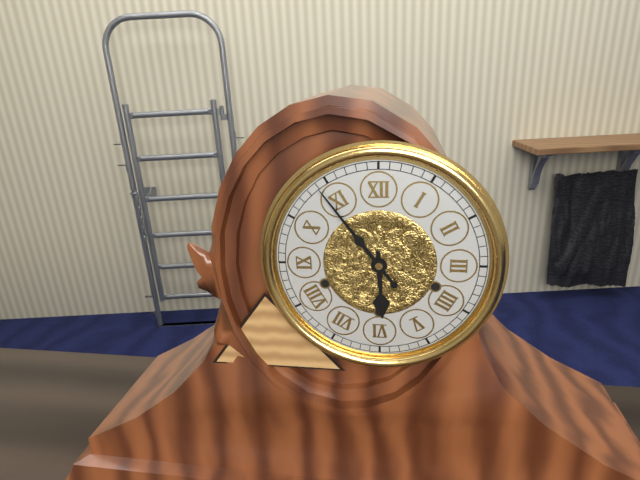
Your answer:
5:54
